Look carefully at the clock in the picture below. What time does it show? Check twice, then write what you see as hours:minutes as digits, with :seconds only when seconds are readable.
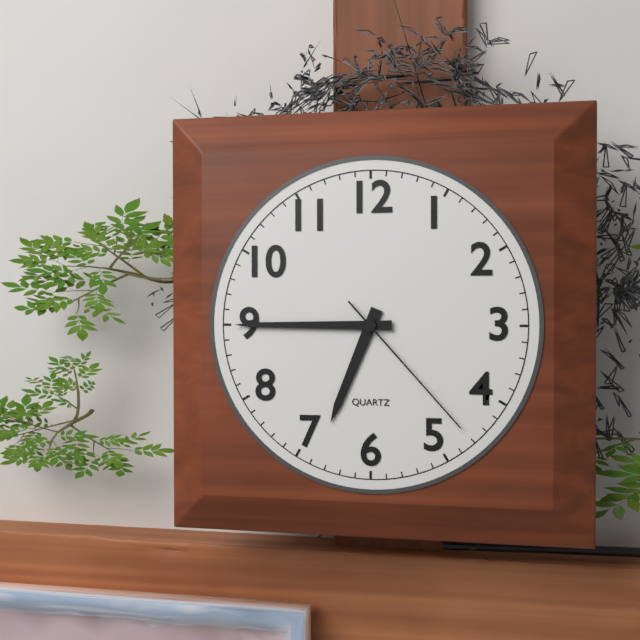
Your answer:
6:45:23
